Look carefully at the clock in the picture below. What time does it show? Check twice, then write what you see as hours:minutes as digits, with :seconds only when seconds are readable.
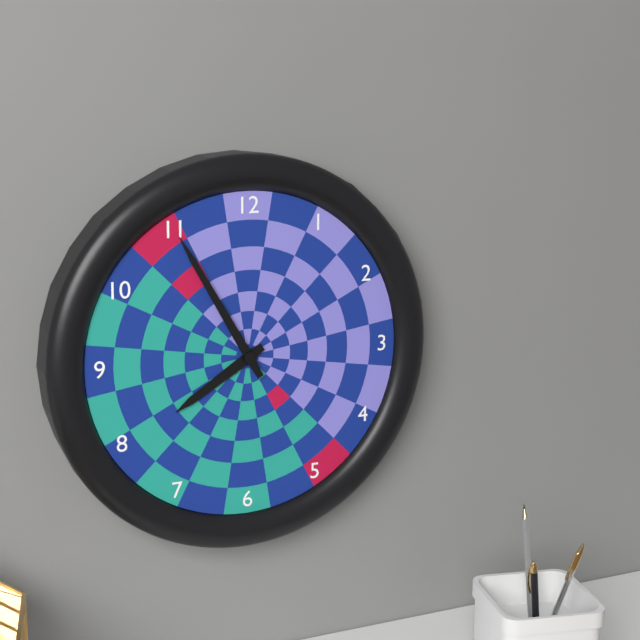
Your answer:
7:55
